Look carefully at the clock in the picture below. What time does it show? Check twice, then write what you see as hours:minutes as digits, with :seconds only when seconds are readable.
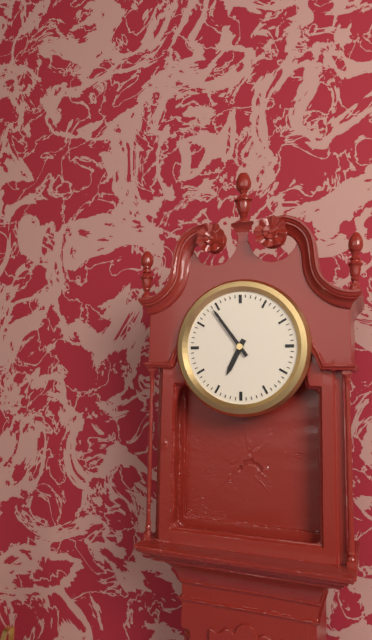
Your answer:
6:54
